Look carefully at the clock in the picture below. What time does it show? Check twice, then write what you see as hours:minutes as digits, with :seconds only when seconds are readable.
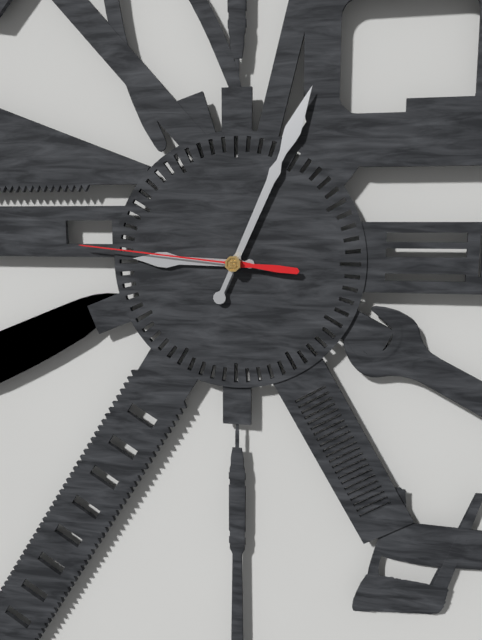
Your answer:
9:04:46
